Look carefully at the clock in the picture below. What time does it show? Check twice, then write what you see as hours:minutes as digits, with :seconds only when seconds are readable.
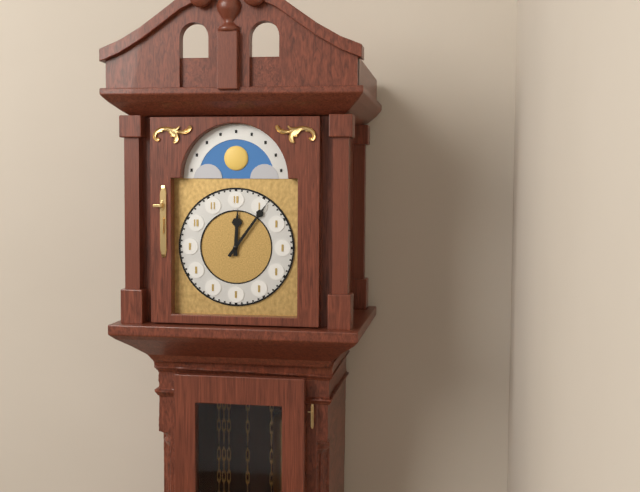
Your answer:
12:06
